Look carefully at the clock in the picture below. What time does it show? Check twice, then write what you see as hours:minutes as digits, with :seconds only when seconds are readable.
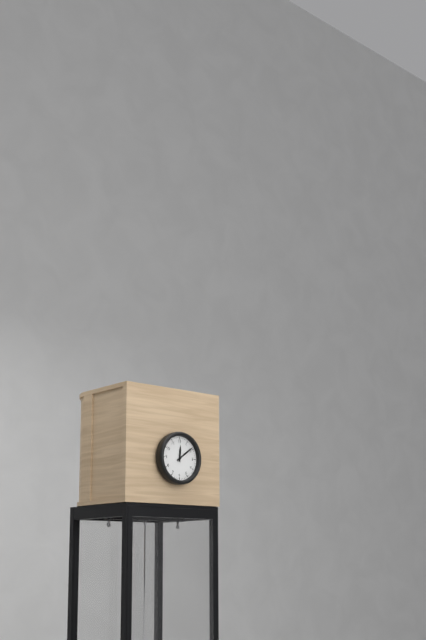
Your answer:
12:09
